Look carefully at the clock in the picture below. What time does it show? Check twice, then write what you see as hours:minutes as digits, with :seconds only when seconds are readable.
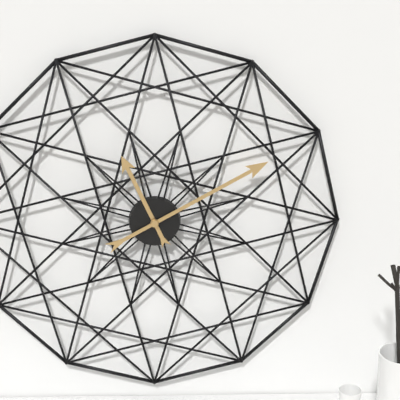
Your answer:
11:10
